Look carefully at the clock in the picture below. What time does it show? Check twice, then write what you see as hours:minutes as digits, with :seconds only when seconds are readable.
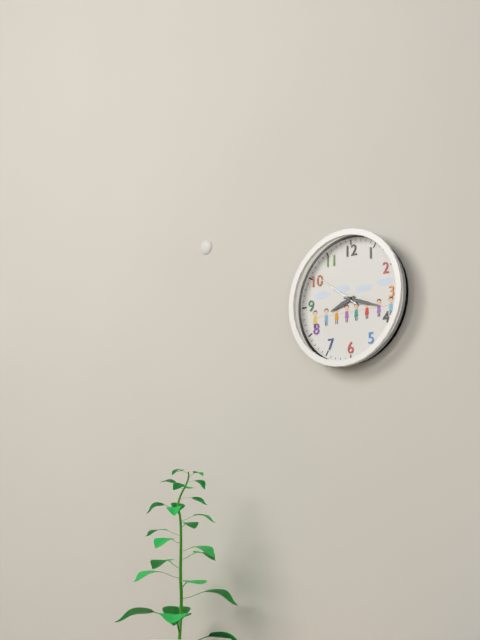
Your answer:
8:18:51
